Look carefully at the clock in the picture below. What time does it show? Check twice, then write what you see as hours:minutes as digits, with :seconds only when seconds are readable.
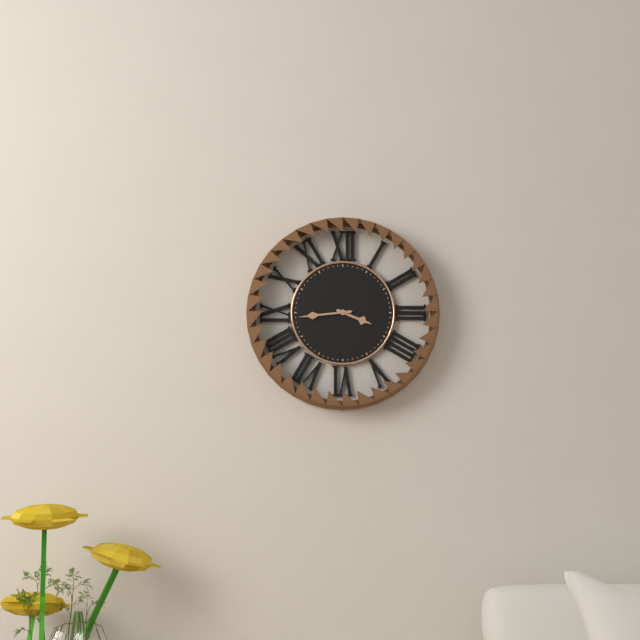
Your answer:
3:44
